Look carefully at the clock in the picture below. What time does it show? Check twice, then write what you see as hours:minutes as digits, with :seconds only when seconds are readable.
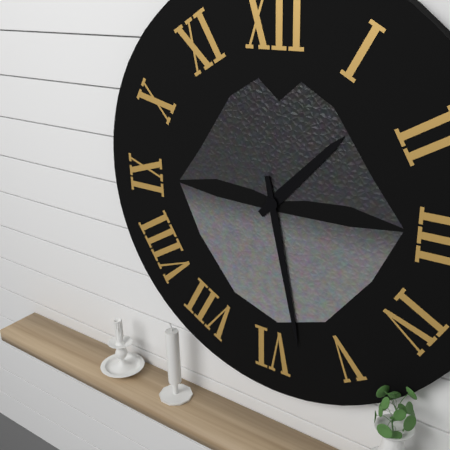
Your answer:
1:28
